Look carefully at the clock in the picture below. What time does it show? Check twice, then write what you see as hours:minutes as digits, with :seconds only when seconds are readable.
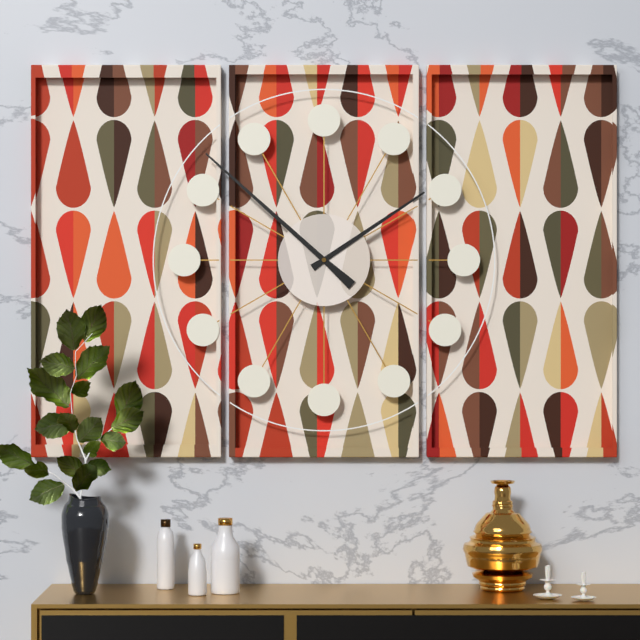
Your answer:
1:52
